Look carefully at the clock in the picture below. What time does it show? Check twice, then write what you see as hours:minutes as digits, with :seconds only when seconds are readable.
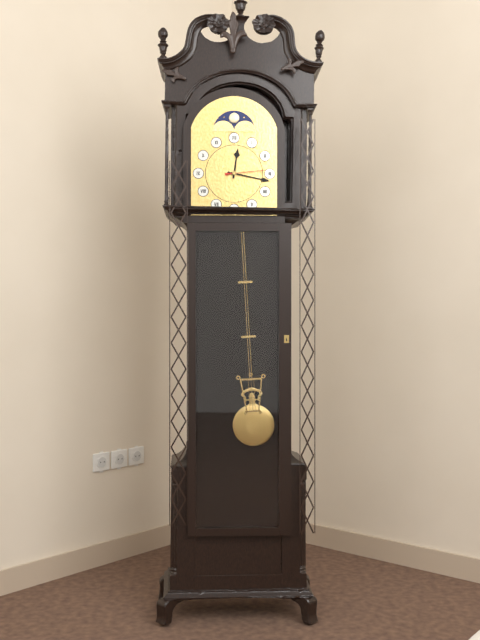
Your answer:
12:17
